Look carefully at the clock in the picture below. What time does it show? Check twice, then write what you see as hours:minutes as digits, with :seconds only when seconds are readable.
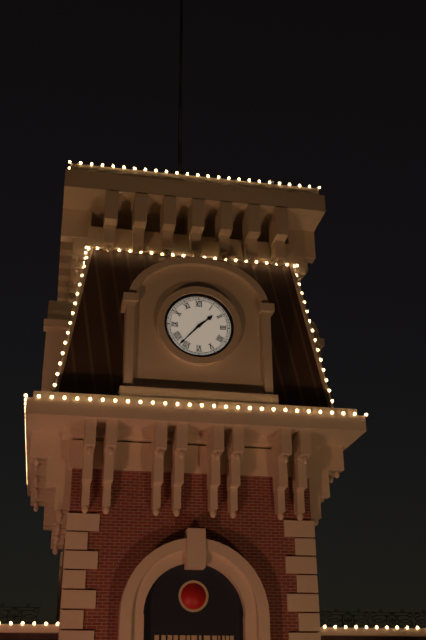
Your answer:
1:37
